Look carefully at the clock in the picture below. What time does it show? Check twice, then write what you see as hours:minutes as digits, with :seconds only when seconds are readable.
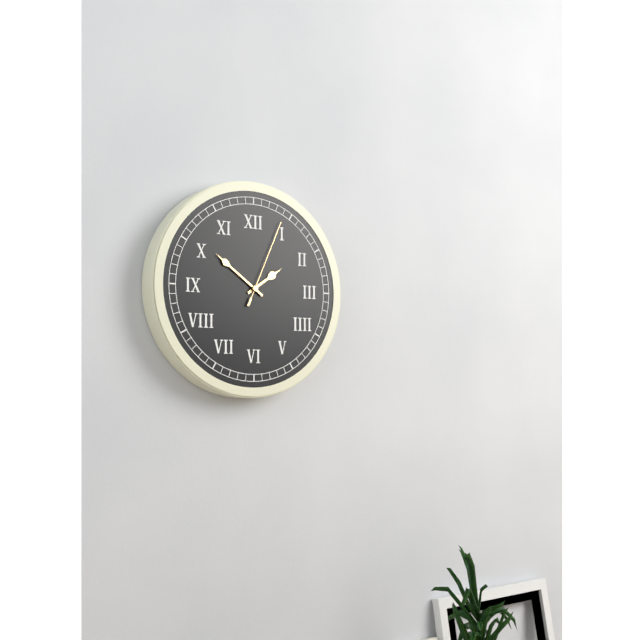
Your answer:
1:51:04
